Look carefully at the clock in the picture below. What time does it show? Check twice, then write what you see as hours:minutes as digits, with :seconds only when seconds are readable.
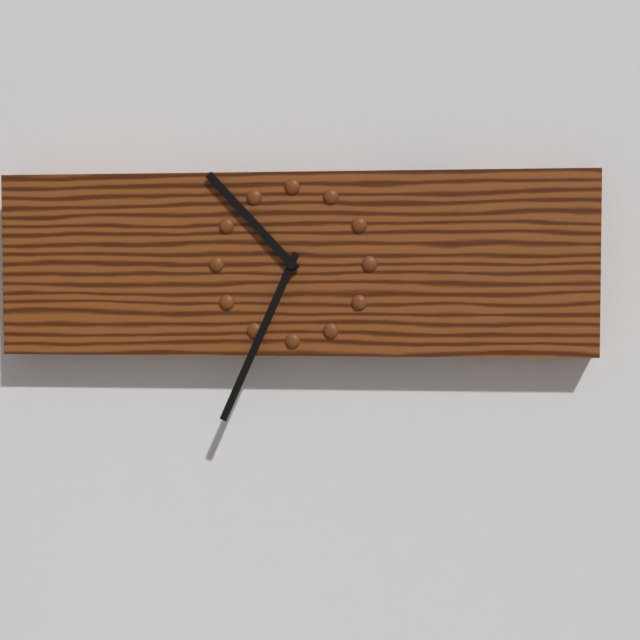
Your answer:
10:34
